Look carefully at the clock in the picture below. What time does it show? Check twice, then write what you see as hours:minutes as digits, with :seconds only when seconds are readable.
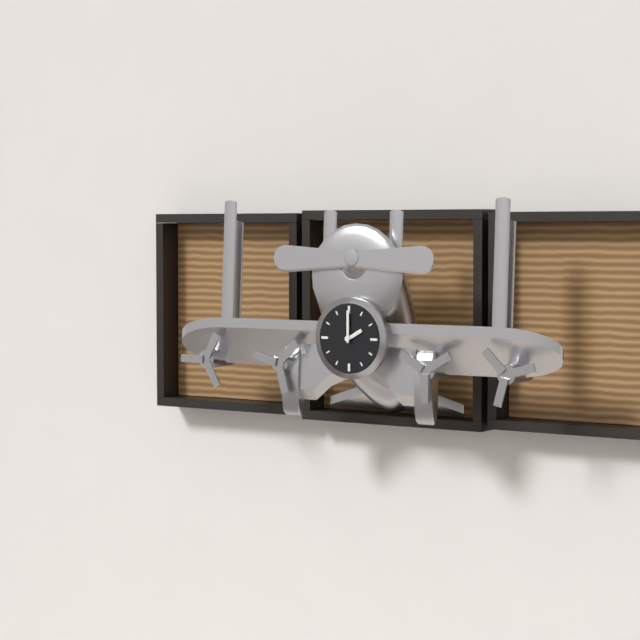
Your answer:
2:00
